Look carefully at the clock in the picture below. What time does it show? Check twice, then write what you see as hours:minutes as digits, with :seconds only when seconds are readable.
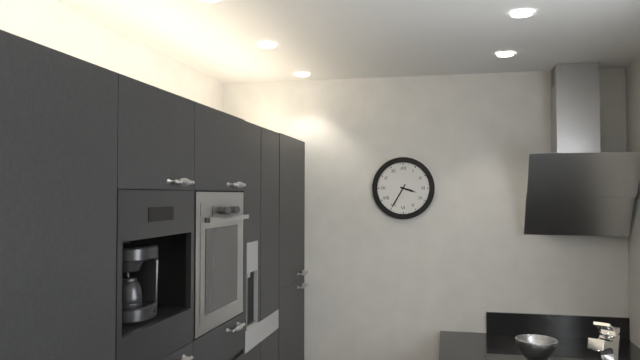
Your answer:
3:35
